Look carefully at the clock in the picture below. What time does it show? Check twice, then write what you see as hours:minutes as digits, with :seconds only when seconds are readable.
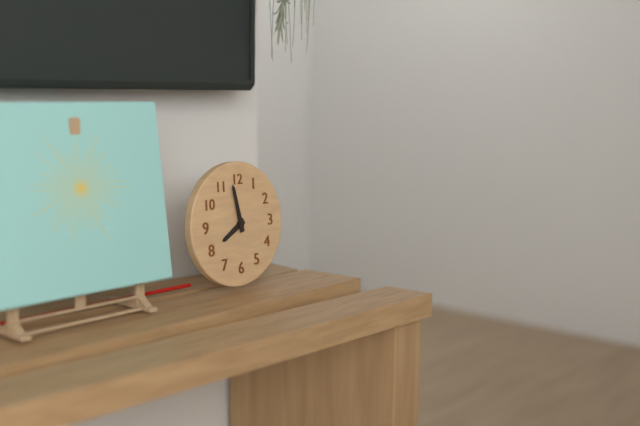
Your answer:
7:58
